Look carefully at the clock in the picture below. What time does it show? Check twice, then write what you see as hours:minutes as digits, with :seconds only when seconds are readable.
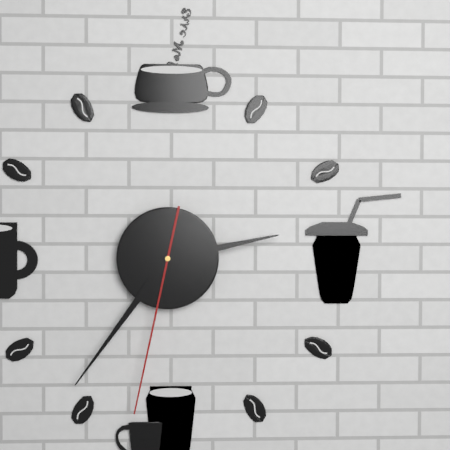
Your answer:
2:36:32
